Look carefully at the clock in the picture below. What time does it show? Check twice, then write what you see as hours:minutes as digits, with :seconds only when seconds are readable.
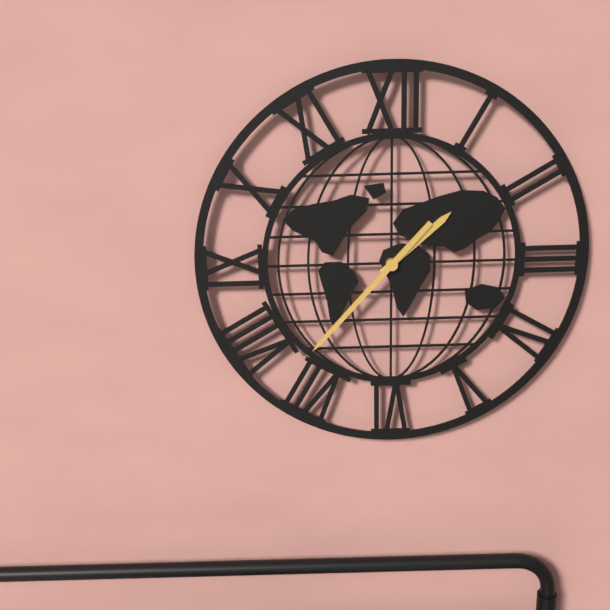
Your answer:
1:37
